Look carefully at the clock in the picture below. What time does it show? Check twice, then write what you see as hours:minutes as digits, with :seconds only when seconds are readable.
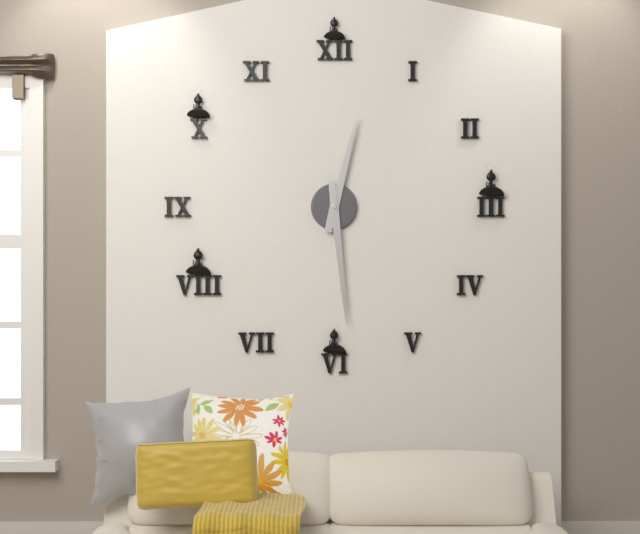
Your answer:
12:29
